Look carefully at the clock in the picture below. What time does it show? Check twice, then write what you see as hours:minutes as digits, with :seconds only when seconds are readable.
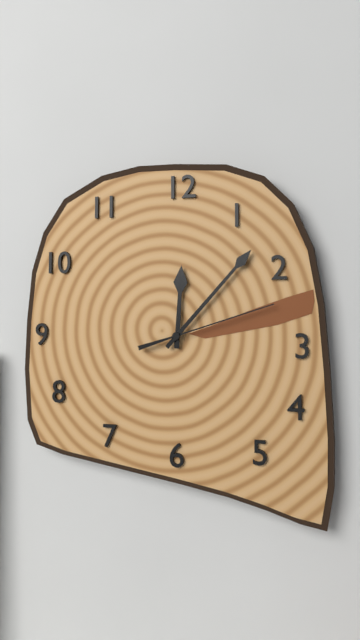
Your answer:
12:07:12
